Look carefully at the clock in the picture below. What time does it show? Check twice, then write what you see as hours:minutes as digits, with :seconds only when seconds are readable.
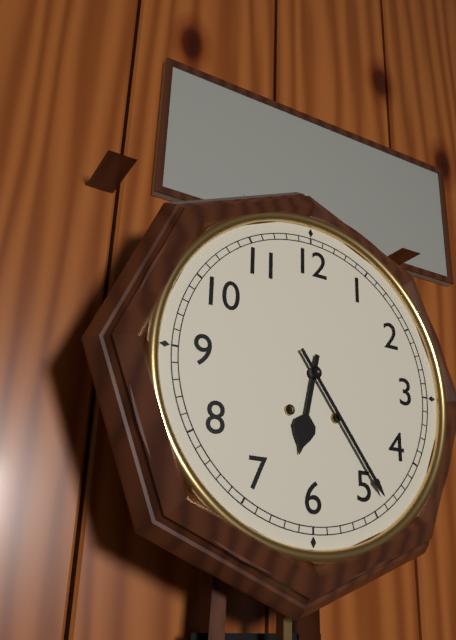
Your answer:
6:24
